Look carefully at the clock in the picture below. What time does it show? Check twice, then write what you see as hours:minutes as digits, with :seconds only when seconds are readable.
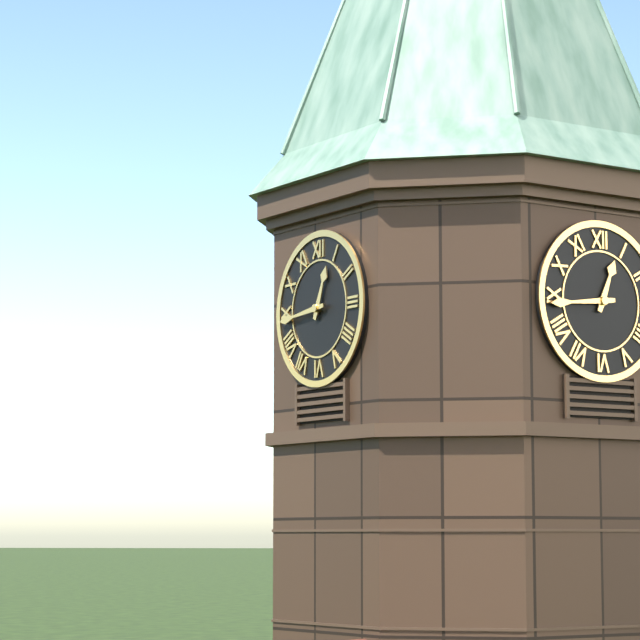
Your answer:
12:44
